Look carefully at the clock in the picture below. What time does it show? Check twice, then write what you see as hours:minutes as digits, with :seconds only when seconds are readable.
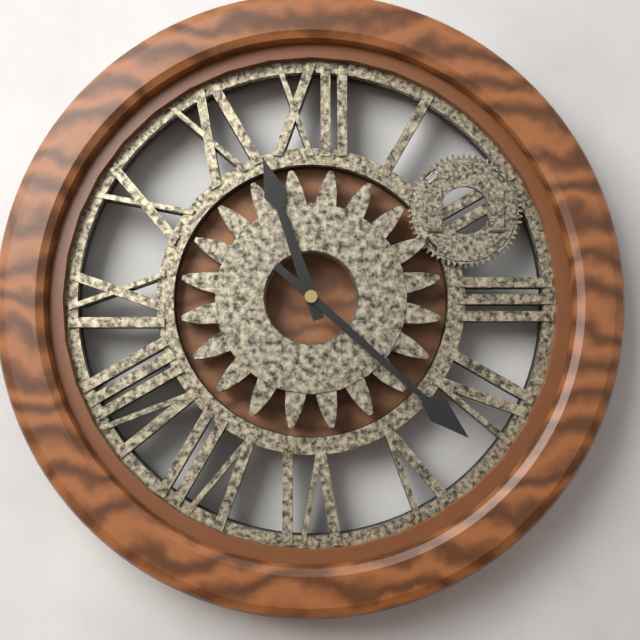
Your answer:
11:22
